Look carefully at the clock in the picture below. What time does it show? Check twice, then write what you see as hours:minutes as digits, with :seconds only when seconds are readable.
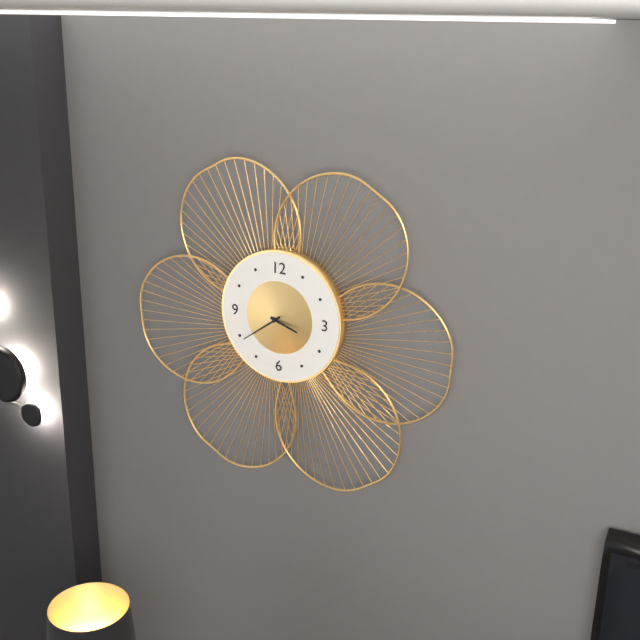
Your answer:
3:39
